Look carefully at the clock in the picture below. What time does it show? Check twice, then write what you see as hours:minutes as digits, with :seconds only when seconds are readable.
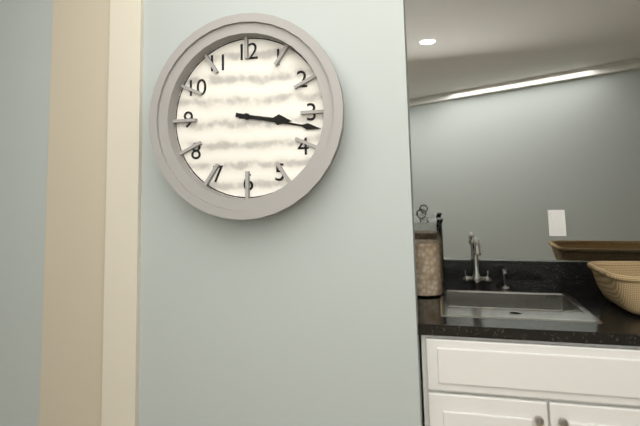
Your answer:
3:17
